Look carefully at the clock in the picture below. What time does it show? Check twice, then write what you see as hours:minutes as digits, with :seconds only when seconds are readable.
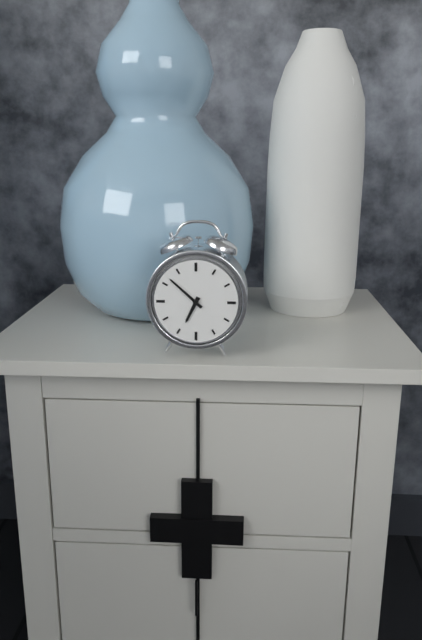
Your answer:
6:52
